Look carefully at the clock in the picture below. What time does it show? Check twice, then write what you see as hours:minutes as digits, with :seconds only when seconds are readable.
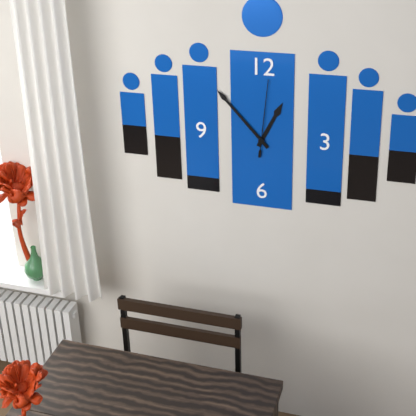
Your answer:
12:53:01
